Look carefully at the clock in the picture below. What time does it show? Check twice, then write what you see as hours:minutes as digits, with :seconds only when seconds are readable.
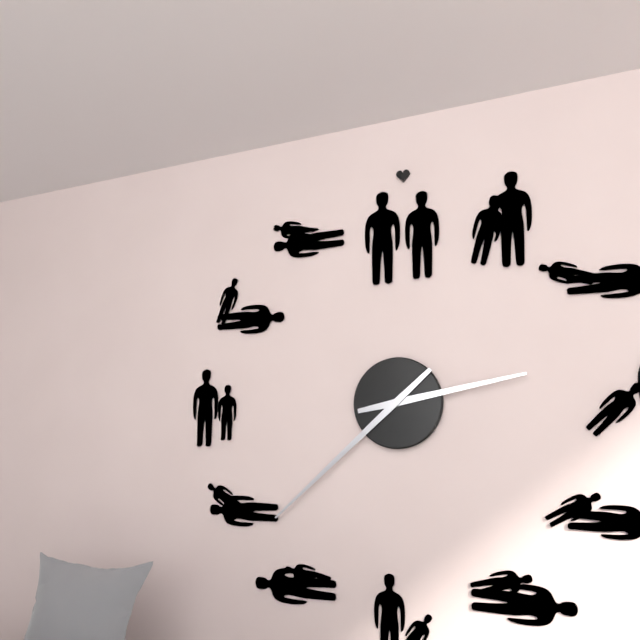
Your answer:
2:38
